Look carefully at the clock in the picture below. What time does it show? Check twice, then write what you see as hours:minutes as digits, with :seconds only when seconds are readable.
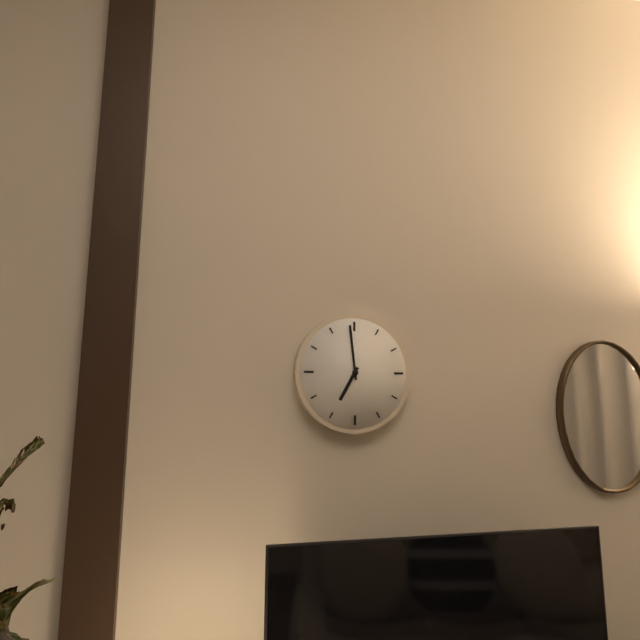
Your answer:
6:59
